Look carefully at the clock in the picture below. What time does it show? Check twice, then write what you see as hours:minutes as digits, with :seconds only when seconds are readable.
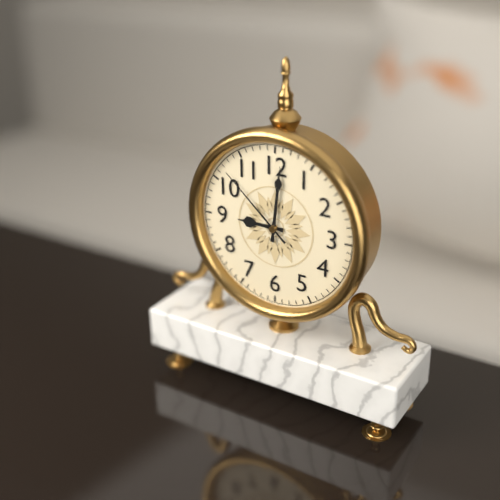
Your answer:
9:01:52
